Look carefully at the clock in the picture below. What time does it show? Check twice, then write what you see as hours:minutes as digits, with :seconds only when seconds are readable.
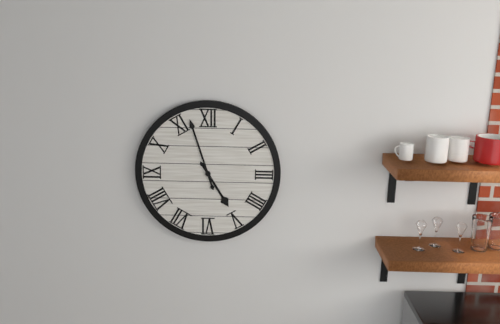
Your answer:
4:57
